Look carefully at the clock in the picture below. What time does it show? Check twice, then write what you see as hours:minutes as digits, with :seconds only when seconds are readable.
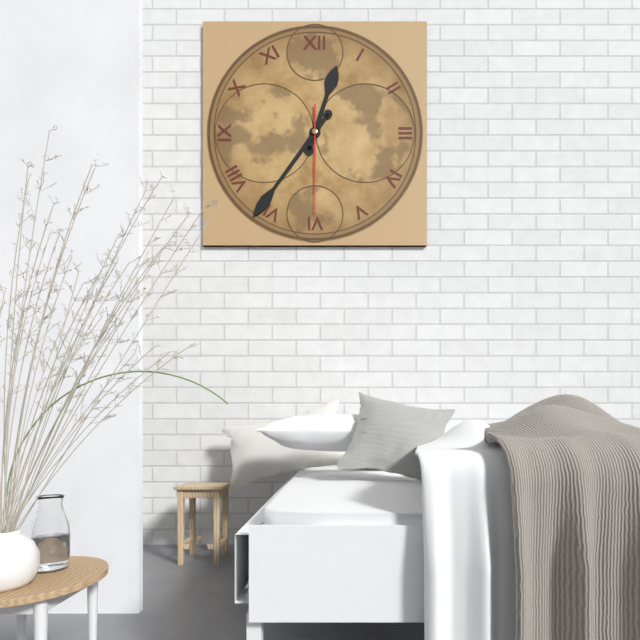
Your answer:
12:36:30
